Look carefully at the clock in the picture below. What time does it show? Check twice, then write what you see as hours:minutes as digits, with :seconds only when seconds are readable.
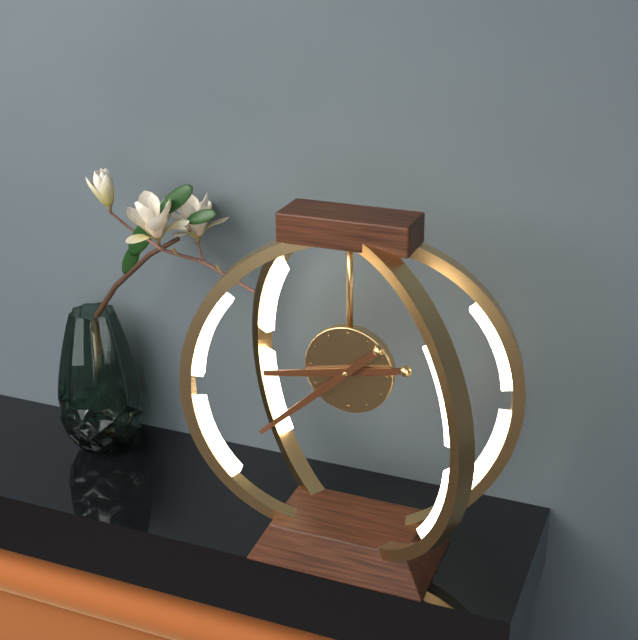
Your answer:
8:38
